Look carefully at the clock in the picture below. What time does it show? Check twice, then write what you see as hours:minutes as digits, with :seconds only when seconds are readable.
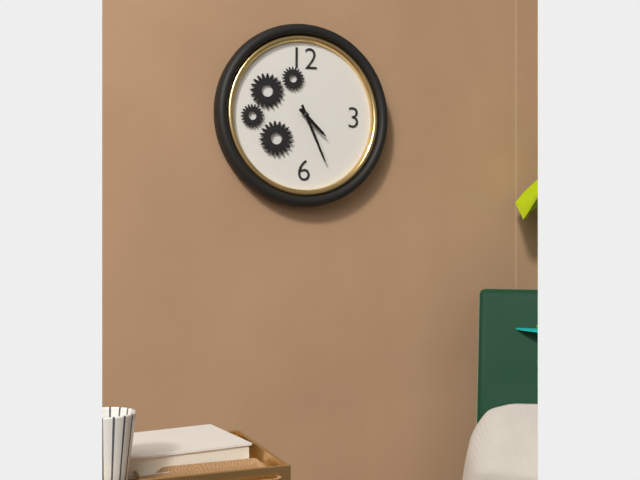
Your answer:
4:26
